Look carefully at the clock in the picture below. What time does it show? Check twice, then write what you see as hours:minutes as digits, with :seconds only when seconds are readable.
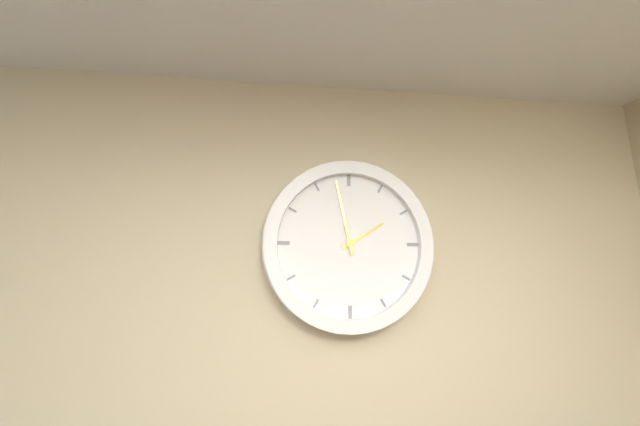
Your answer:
1:58
